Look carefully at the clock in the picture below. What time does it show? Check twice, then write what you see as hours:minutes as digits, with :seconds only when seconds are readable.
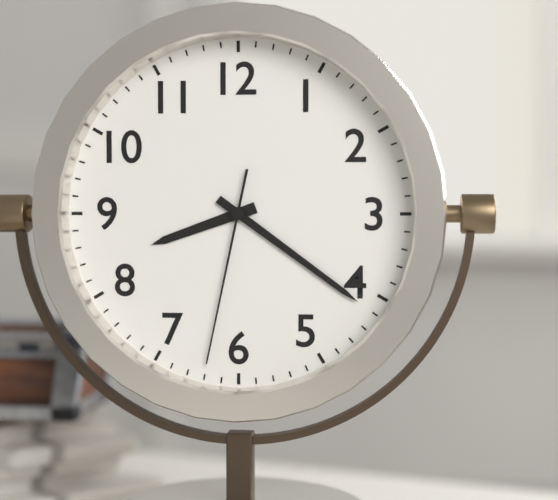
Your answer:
8:21:32
